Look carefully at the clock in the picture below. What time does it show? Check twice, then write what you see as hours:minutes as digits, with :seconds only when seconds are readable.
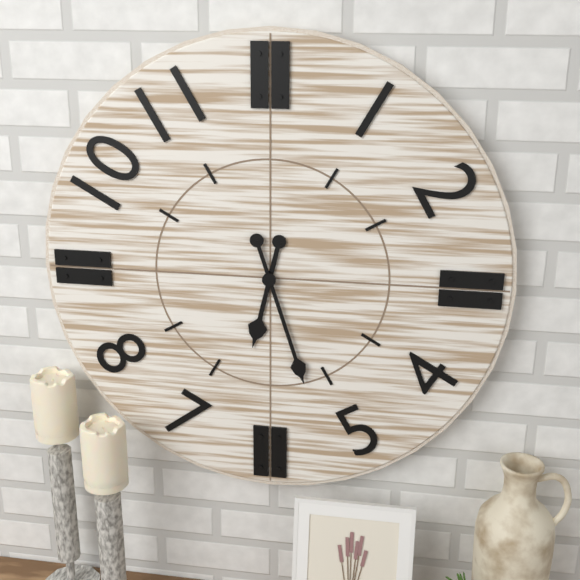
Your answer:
6:27
